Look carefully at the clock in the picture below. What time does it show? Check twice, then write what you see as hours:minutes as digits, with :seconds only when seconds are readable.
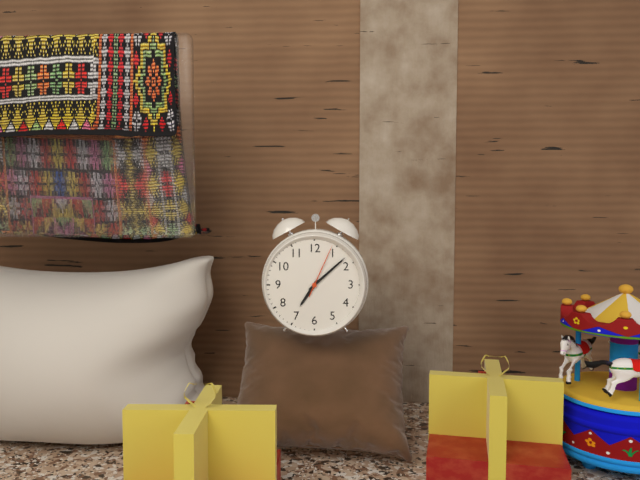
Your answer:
7:08:04
